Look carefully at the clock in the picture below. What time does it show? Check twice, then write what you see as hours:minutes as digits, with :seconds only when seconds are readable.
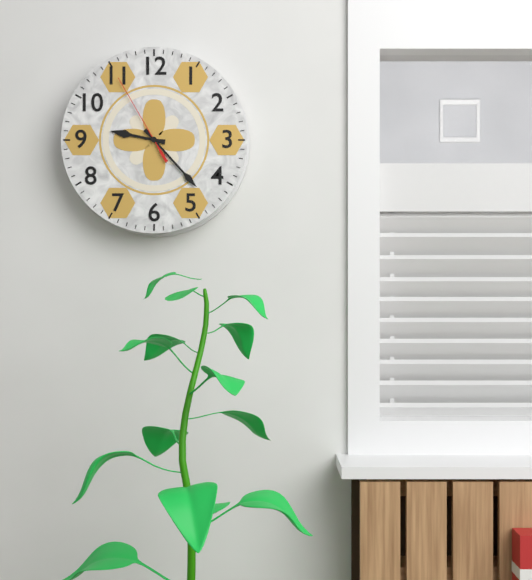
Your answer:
9:23:55
